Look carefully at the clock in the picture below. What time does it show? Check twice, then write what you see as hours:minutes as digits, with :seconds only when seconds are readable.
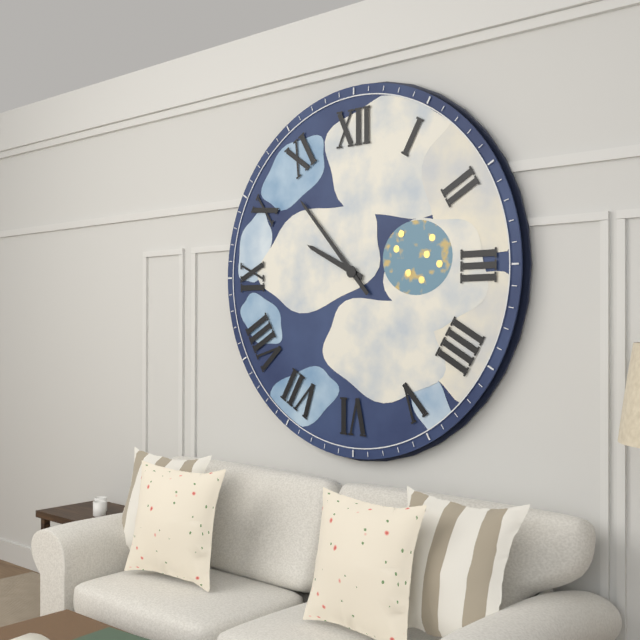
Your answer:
9:53
